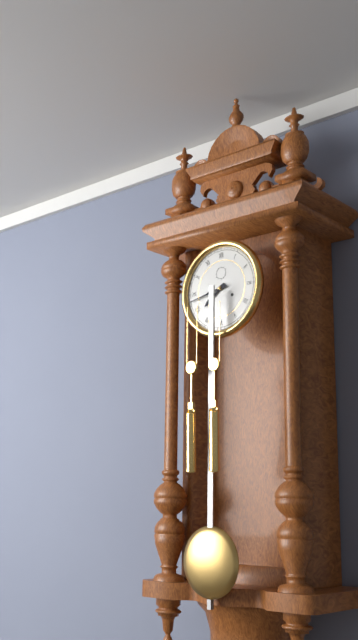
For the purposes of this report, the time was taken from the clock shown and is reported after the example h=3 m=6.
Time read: h=7 m=43
